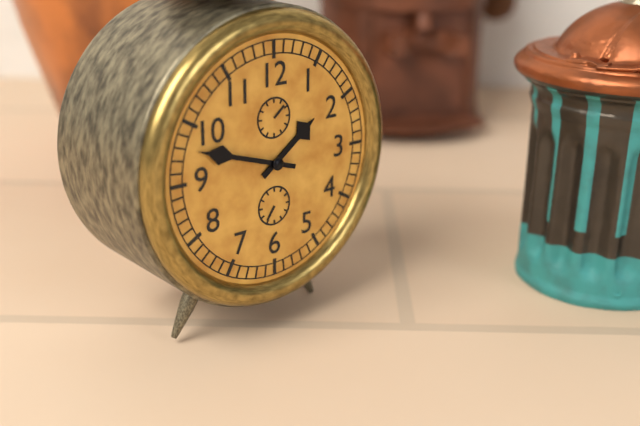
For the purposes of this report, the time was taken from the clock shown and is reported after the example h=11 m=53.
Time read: h=1 m=48
